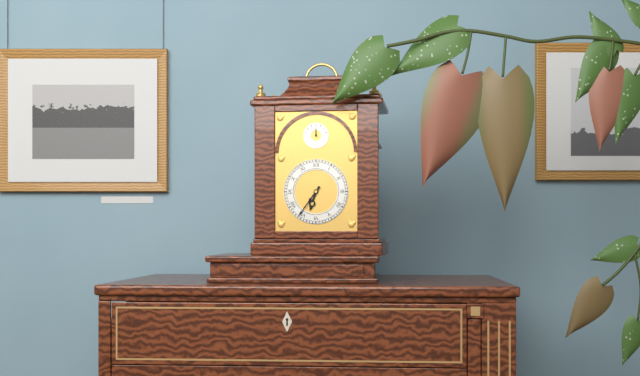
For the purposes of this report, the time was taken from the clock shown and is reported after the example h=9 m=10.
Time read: h=6 m=36
